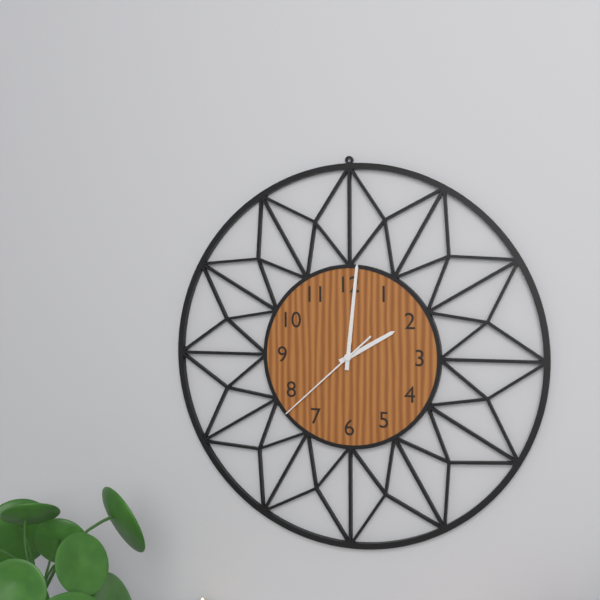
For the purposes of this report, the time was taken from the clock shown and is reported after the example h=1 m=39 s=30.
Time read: h=2 m=1 s=38
